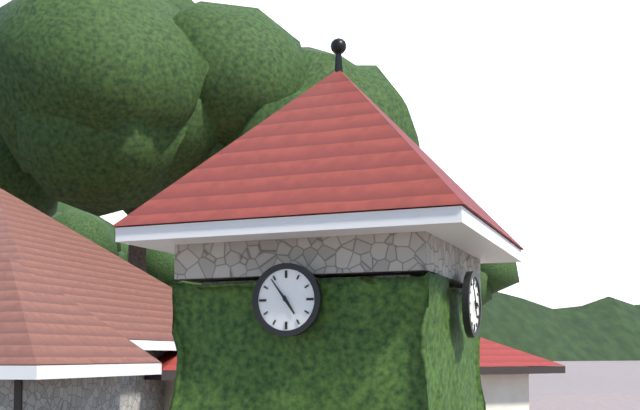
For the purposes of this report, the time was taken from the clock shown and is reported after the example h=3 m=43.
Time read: h=4 m=54
